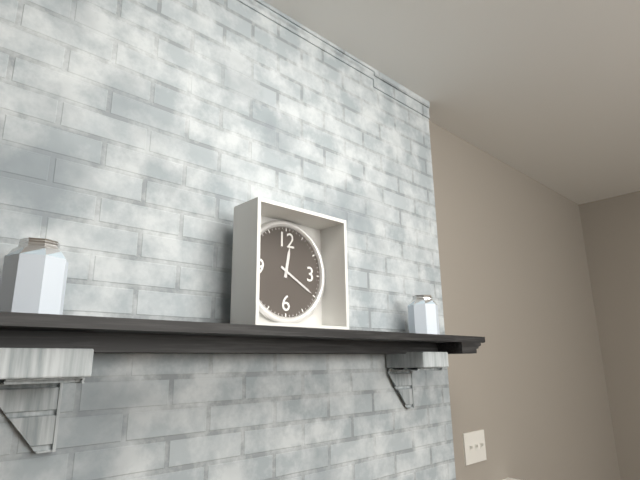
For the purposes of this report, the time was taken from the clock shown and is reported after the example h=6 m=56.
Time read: h=12 m=20
